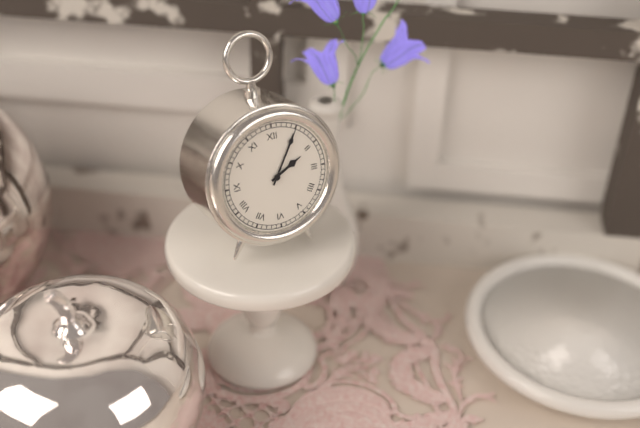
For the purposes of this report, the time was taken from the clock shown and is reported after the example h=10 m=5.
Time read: h=2 m=5
